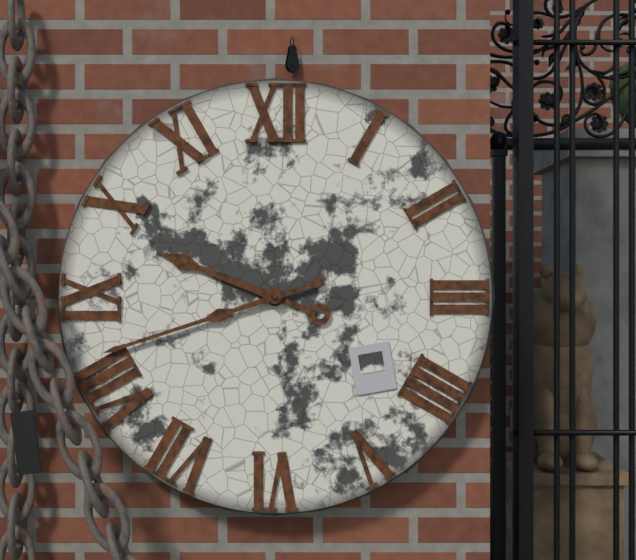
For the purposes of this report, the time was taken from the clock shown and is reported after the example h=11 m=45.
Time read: h=9 m=42
